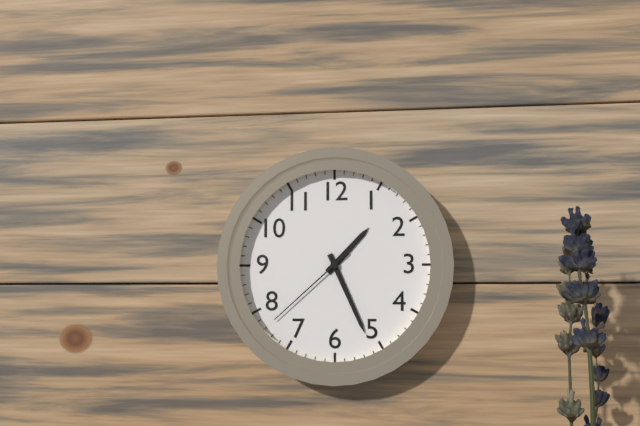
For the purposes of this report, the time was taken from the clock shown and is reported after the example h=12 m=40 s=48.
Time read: h=1 m=26 s=38
